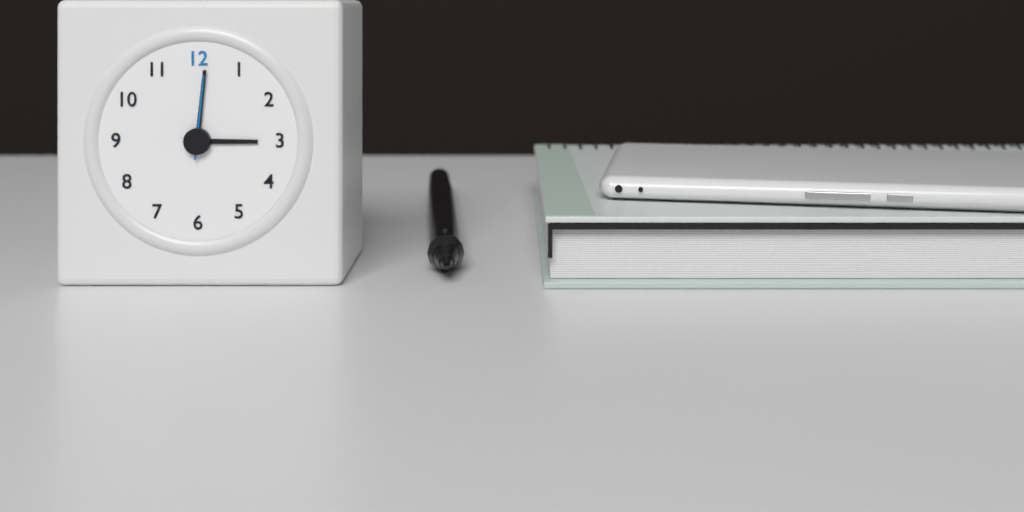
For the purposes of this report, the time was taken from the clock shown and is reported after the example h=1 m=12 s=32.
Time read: h=3 m=1 s=1
